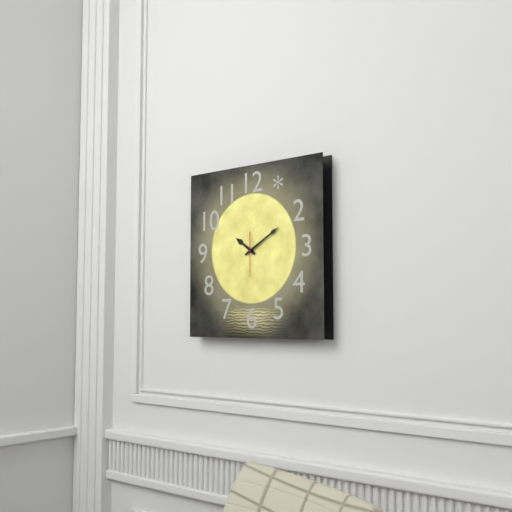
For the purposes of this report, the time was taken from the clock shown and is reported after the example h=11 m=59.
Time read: h=10 m=10
